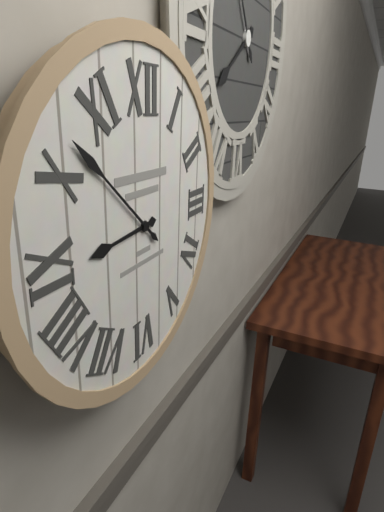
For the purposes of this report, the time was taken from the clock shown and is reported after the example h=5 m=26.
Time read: h=8 m=52
